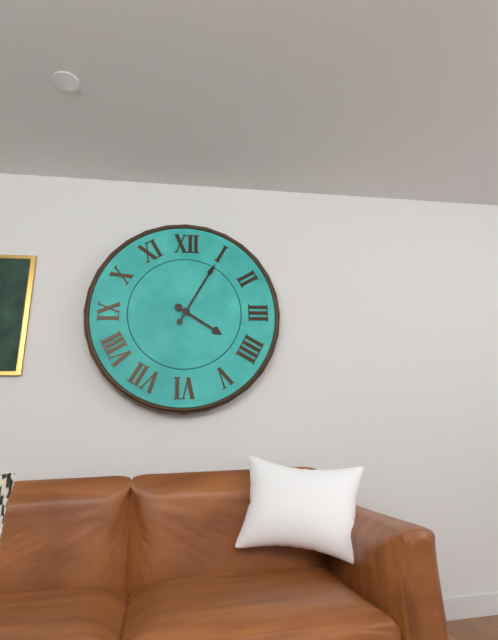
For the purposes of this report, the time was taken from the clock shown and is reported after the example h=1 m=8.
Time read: h=4 m=5
